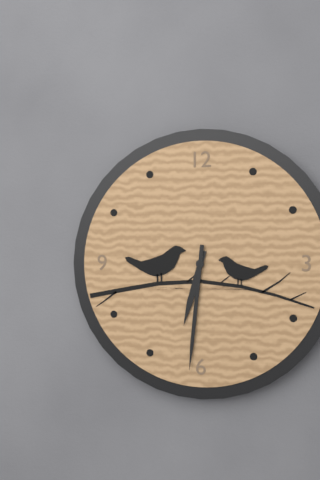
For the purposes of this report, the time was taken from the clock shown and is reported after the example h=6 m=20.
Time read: h=6 m=31
